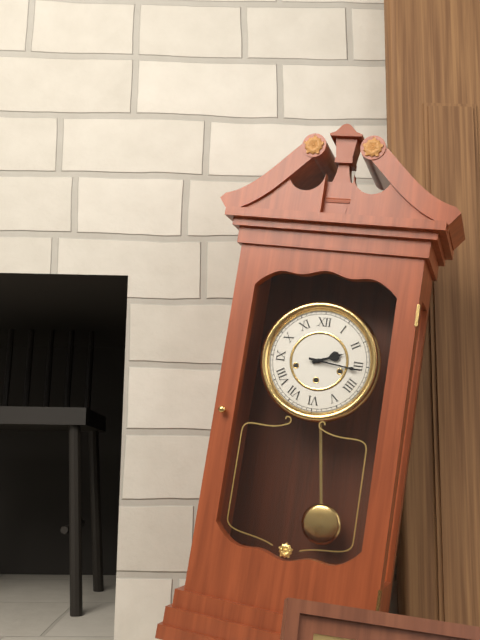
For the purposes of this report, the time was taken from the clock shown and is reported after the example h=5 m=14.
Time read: h=2 m=16
